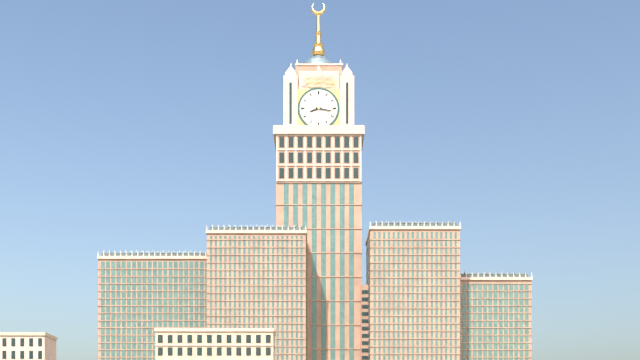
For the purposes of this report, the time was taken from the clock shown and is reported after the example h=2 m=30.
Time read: h=8 m=17
